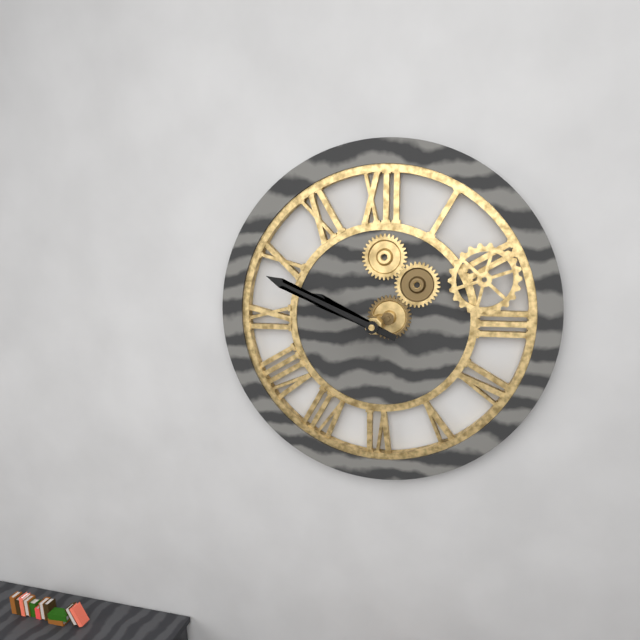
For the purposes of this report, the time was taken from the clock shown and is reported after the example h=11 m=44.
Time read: h=9 m=49
